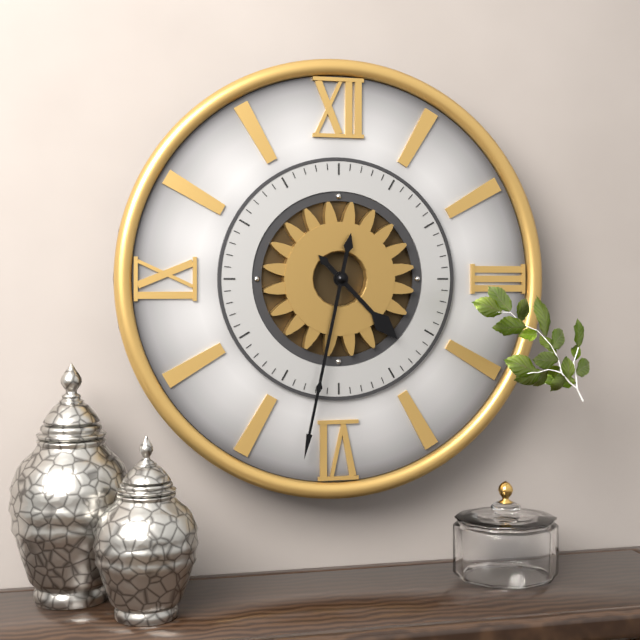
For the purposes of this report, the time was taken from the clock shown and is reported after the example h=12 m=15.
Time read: h=4 m=32
